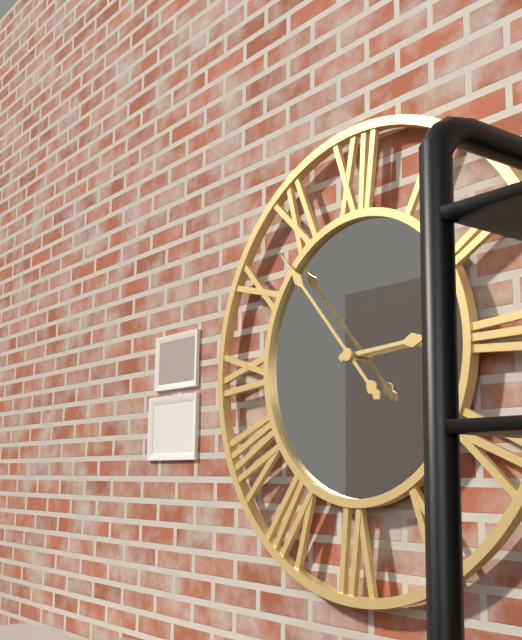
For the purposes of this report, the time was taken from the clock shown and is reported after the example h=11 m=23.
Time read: h=2 m=53
